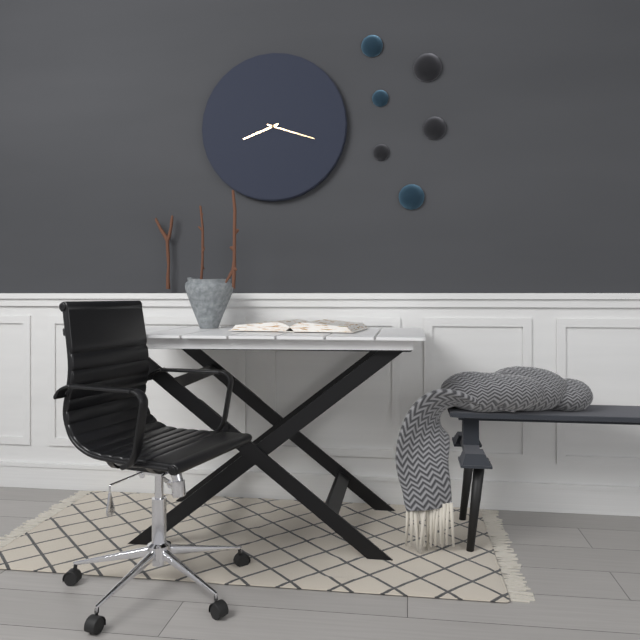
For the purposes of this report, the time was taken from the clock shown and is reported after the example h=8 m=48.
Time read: h=8 m=18
